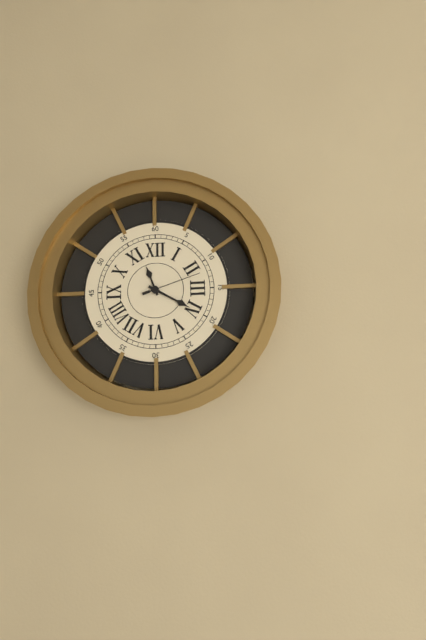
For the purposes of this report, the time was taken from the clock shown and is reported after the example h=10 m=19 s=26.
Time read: h=11 m=20 s=12
